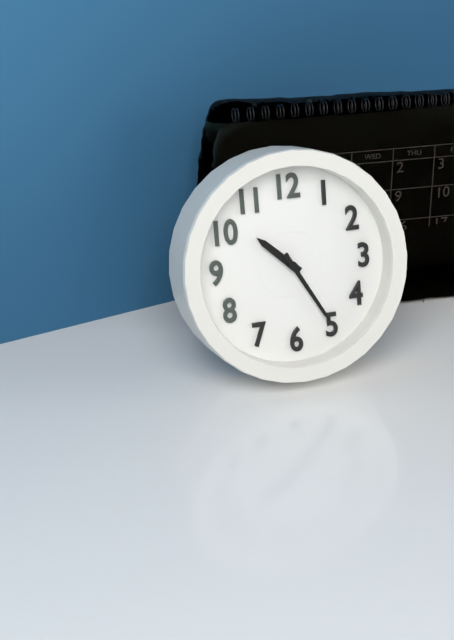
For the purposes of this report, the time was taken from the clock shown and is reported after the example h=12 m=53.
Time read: h=10 m=25
